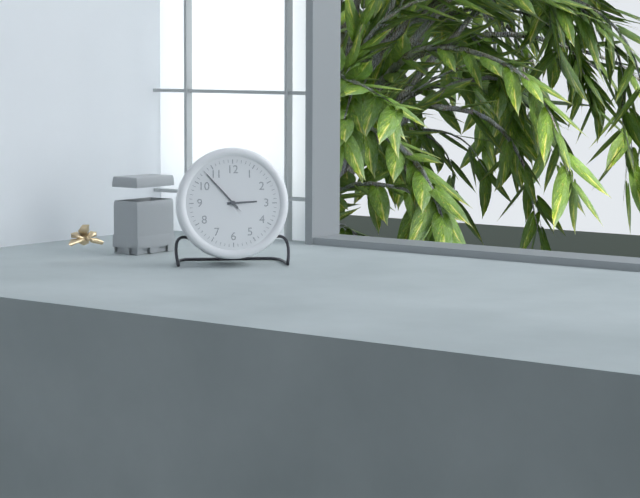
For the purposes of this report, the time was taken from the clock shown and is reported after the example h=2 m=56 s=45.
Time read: h=2 m=53 s=53
